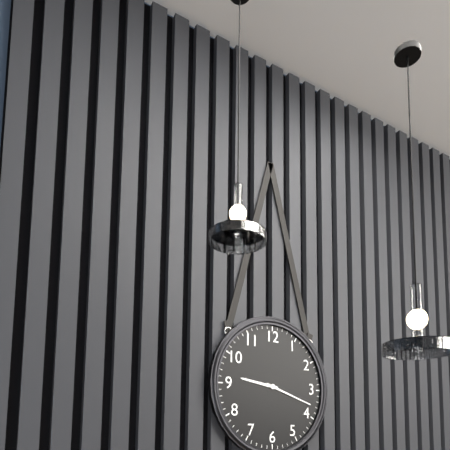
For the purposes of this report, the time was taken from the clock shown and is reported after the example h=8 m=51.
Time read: h=9 m=18
